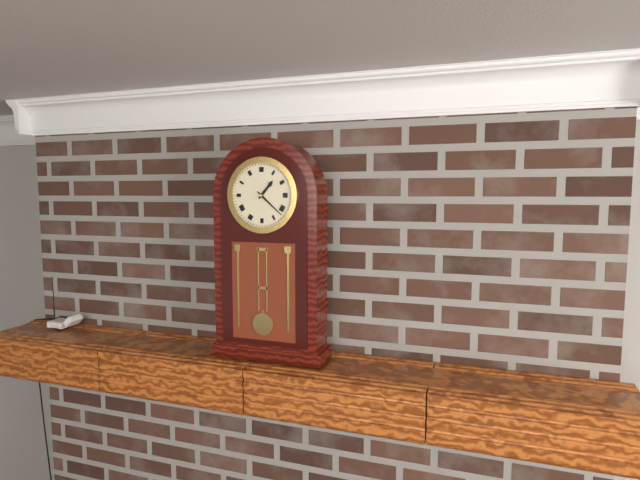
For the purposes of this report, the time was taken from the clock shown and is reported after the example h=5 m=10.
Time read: h=1 m=22
